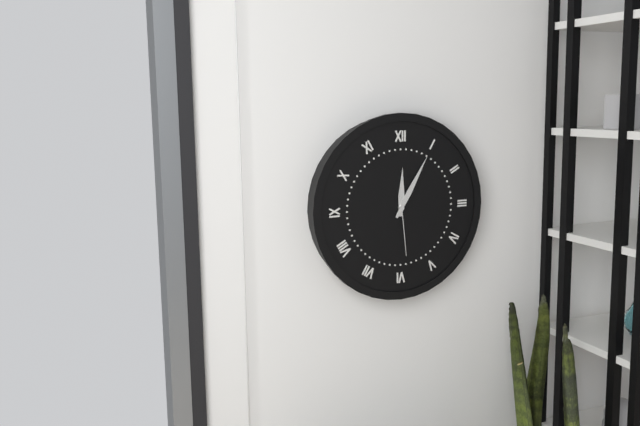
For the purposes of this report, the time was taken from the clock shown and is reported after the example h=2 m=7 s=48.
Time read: h=12 m=5 s=29
